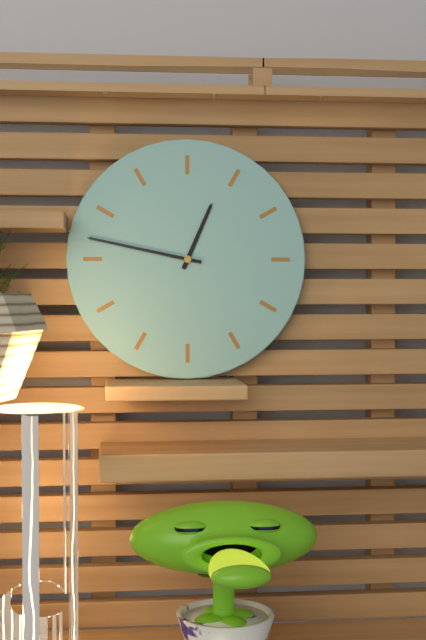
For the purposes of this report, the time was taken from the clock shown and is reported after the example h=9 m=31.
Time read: h=12 m=47
